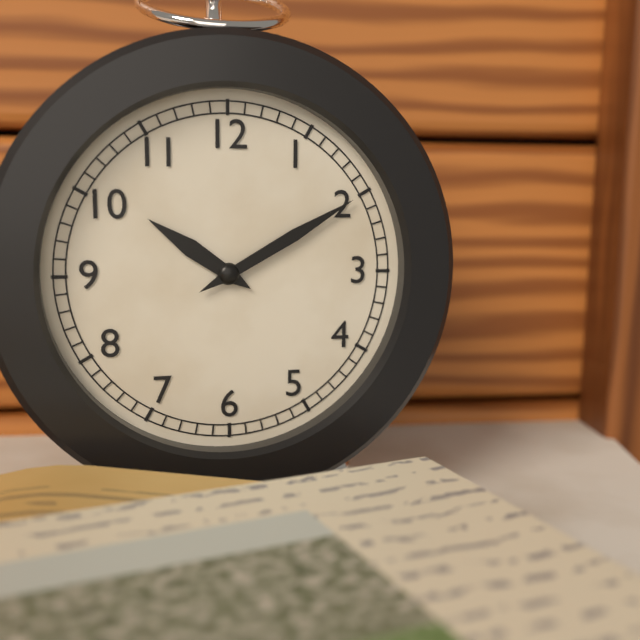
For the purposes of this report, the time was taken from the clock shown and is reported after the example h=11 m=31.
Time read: h=10 m=10
